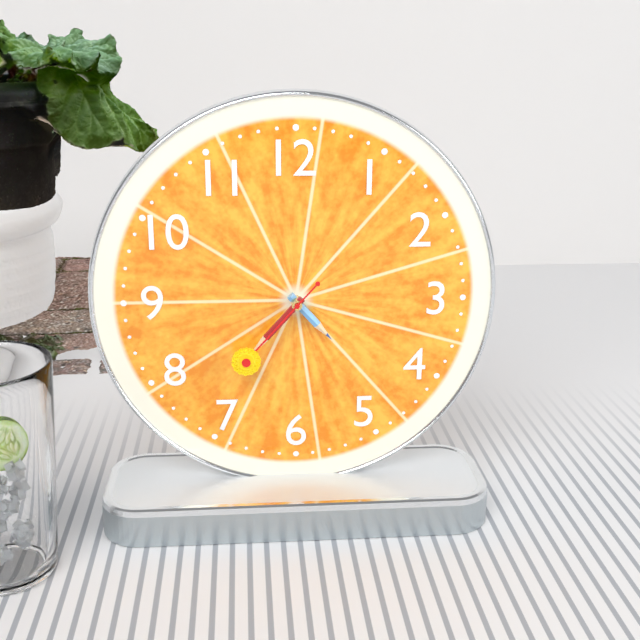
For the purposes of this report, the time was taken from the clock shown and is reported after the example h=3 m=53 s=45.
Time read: h=4 m=37 s=37
